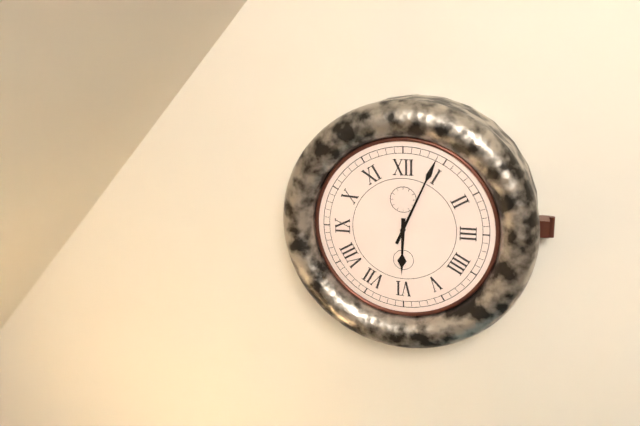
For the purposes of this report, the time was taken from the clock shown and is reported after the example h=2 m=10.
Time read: h=6 m=4
